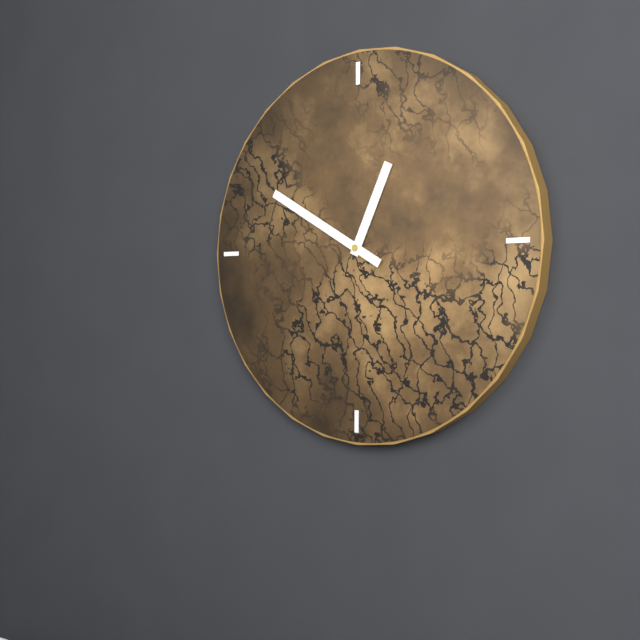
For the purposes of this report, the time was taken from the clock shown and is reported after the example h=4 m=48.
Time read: h=12 m=50
